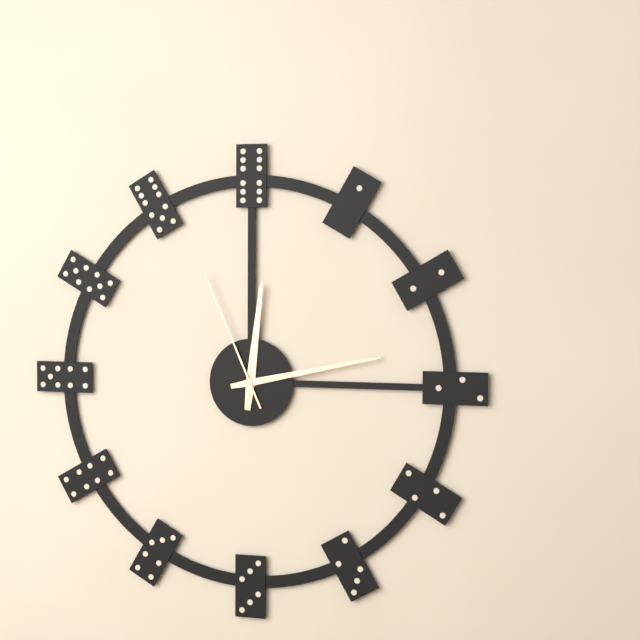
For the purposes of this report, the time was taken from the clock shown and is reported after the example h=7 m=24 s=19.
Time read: h=12 m=13 s=56
